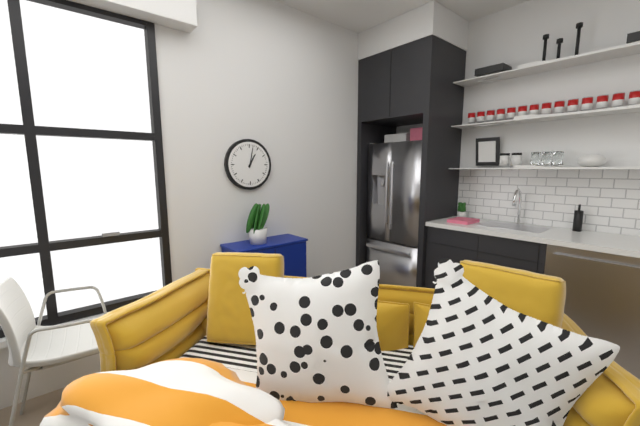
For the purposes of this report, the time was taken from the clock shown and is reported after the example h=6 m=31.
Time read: h=1 m=2
